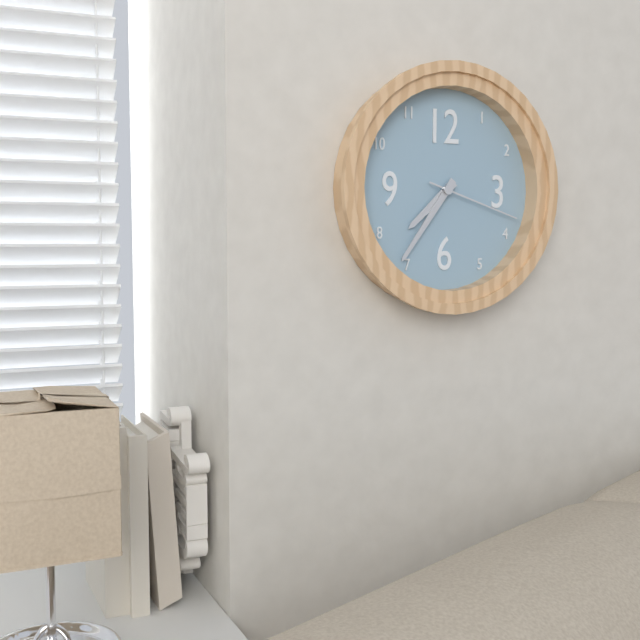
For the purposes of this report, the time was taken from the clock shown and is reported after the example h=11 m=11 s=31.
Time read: h=7 m=36 s=18
